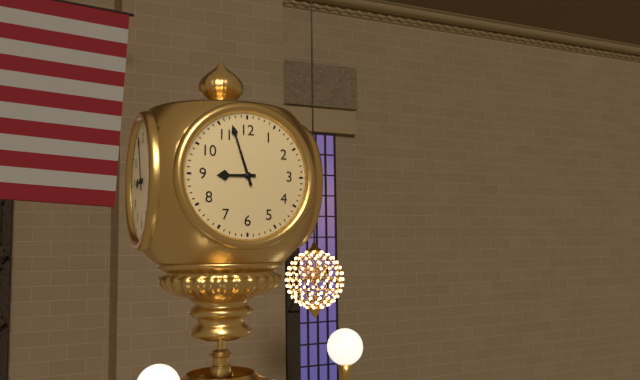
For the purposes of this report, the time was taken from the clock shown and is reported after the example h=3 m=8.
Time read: h=8 m=57
